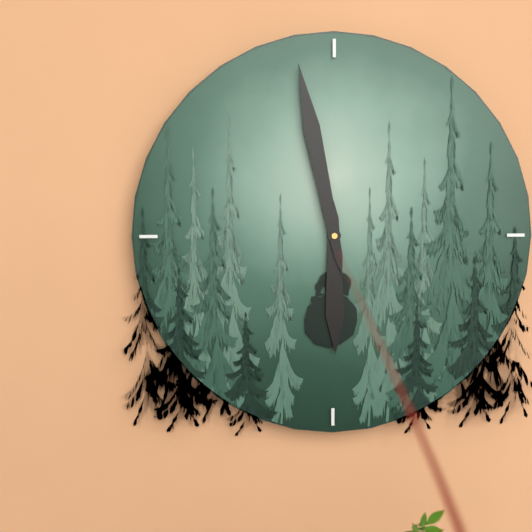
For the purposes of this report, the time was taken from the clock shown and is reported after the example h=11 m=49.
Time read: h=5 m=58
